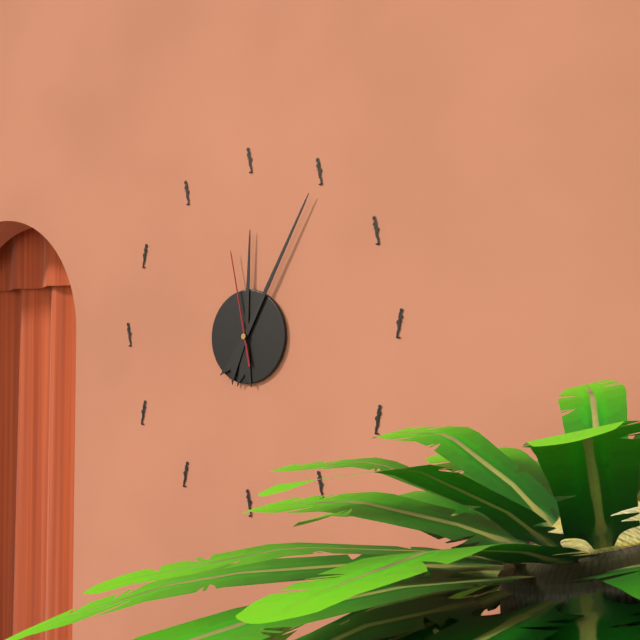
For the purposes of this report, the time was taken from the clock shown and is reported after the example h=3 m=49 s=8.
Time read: h=12 m=5 s=58
